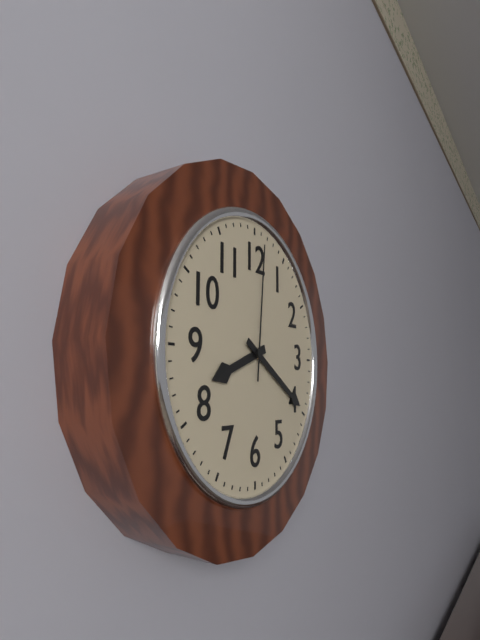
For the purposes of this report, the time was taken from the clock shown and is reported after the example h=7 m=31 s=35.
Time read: h=8 m=20 s=1
